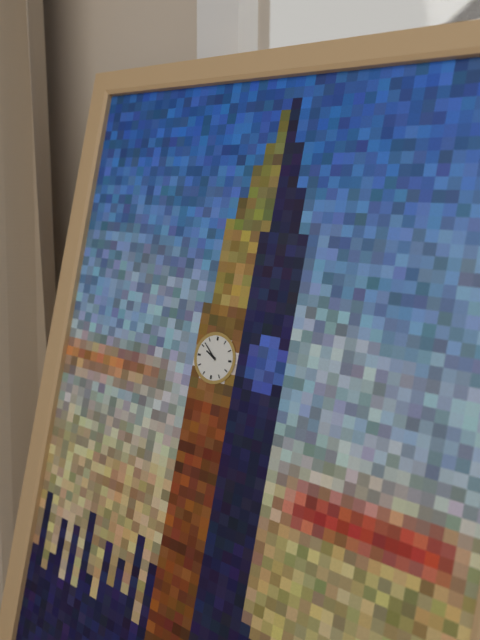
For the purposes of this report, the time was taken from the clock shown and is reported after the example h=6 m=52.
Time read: h=9 m=52
